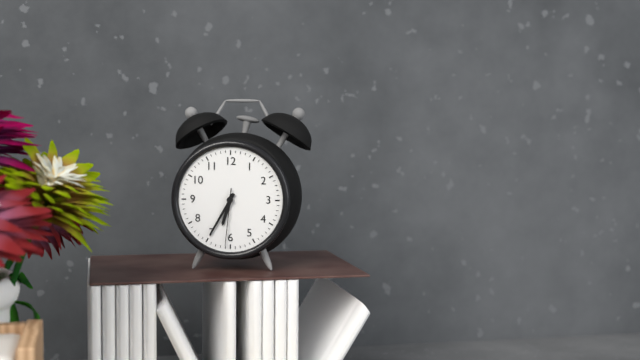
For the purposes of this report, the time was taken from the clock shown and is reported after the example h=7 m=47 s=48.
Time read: h=6 m=35 s=31
